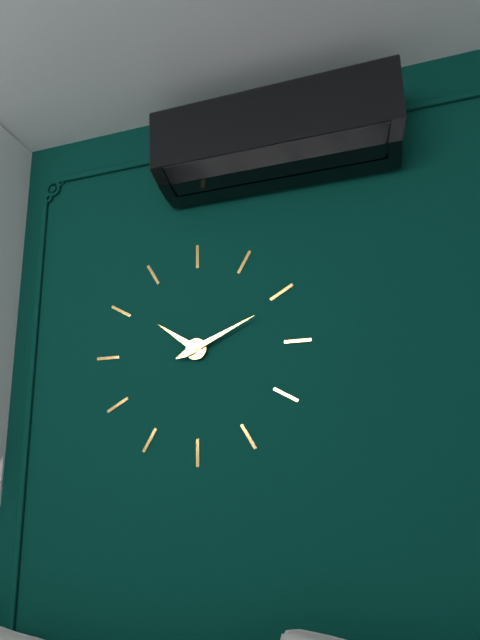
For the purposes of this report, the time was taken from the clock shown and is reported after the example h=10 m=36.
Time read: h=10 m=11
